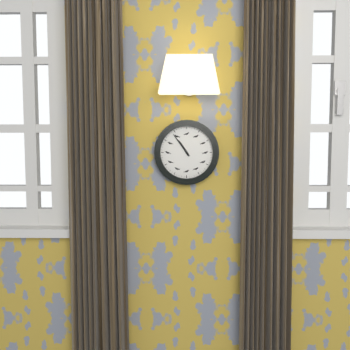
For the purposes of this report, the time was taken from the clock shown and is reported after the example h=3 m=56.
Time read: h=10 m=54
